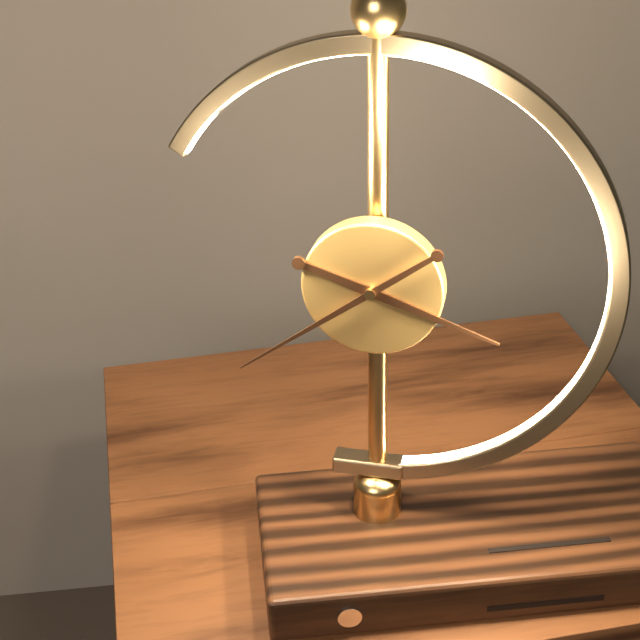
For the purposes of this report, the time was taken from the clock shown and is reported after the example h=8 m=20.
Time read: h=3 m=39
